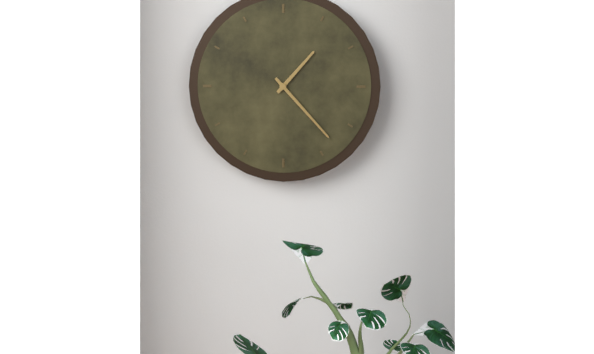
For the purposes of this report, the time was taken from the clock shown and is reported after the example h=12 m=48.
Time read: h=1 m=23
